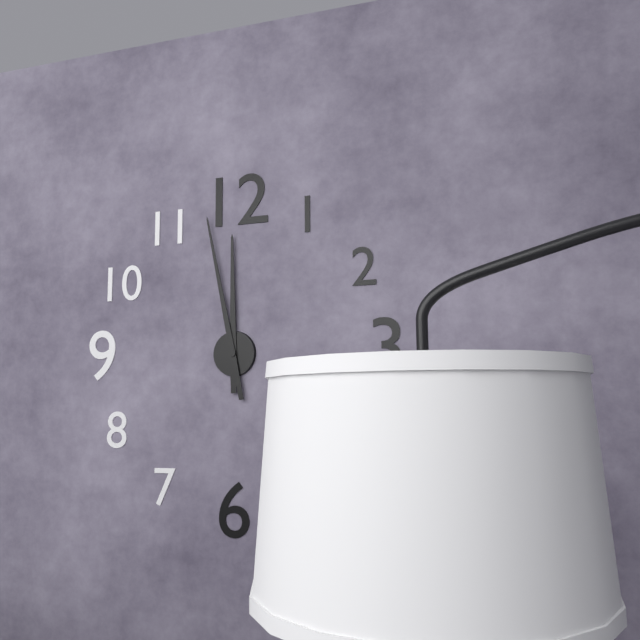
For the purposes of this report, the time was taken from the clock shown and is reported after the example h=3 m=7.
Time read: h=11 m=58
